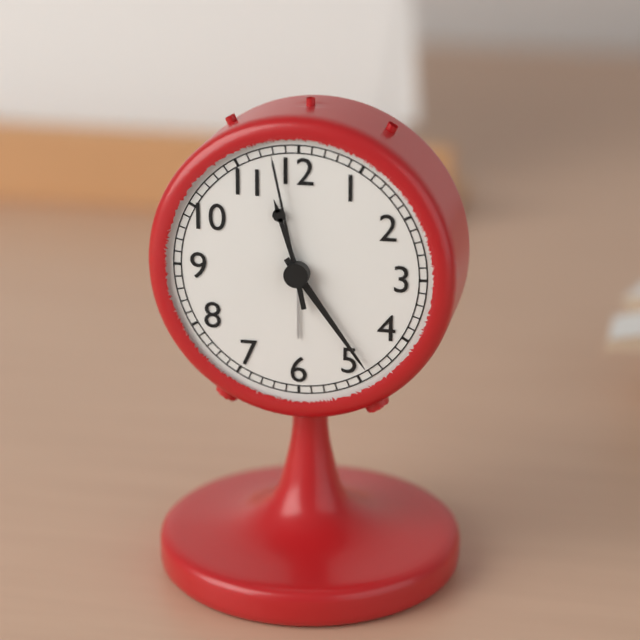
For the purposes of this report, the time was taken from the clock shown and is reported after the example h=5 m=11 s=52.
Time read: h=11 m=24 s=58
